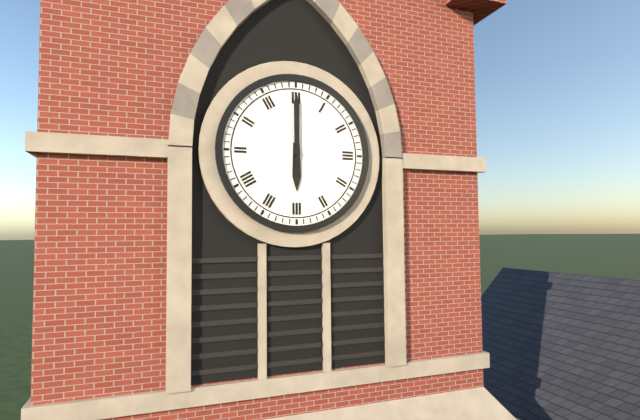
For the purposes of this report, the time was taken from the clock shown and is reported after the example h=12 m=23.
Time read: h=6 m=0
